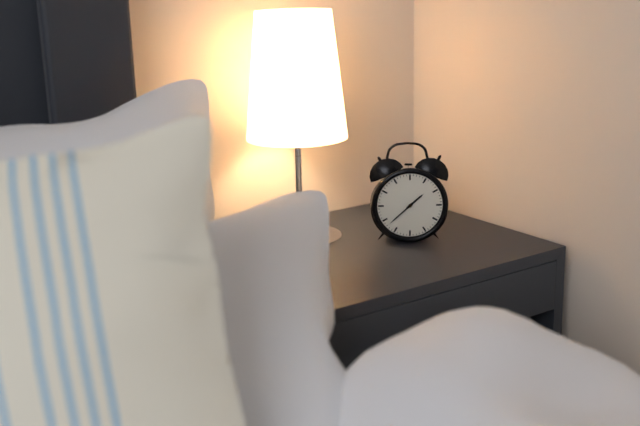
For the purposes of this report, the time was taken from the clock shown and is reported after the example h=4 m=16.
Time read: h=1 m=38
